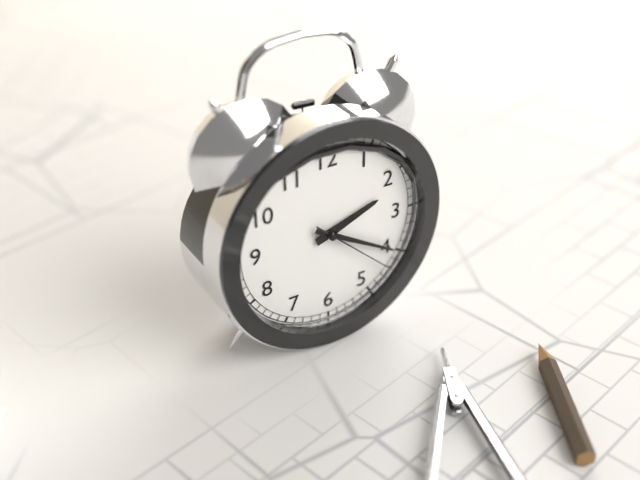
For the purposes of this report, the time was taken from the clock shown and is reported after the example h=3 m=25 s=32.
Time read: h=2 m=20 s=22
